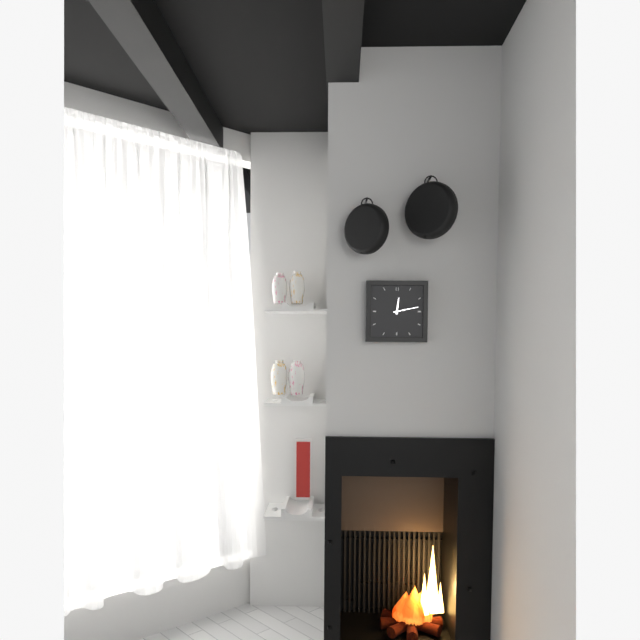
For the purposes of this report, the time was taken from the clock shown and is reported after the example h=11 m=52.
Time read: h=12 m=13
